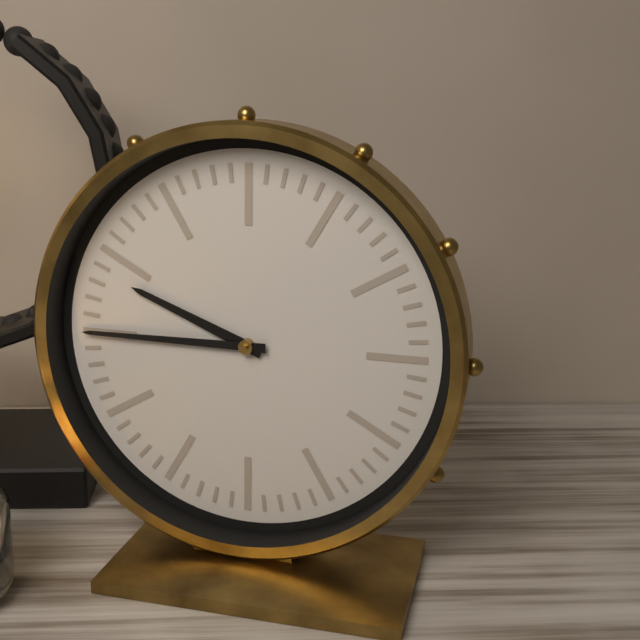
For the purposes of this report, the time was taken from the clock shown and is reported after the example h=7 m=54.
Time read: h=9 m=45
